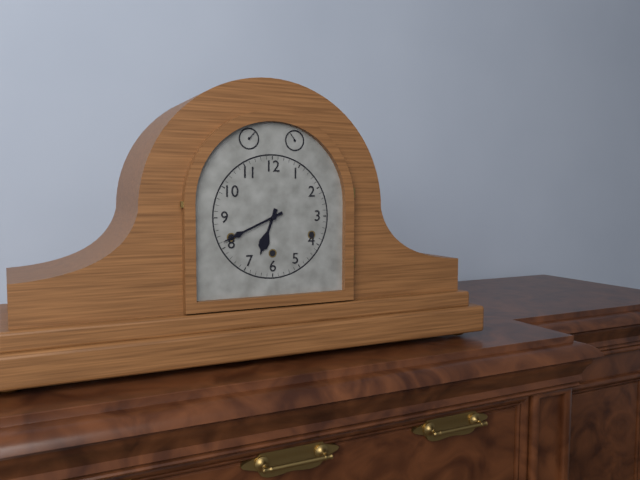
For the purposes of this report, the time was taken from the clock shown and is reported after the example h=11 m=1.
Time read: h=6 m=41
